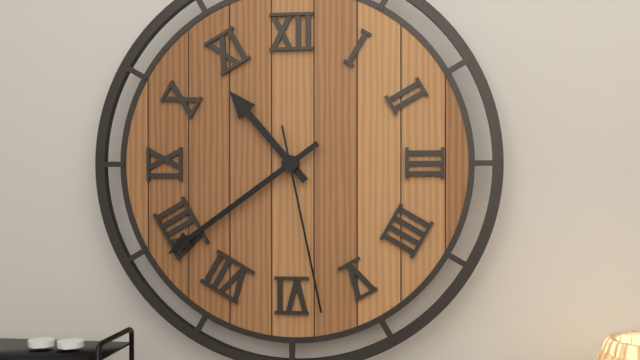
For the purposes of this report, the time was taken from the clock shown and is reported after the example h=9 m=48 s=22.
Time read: h=10 m=39 s=28
